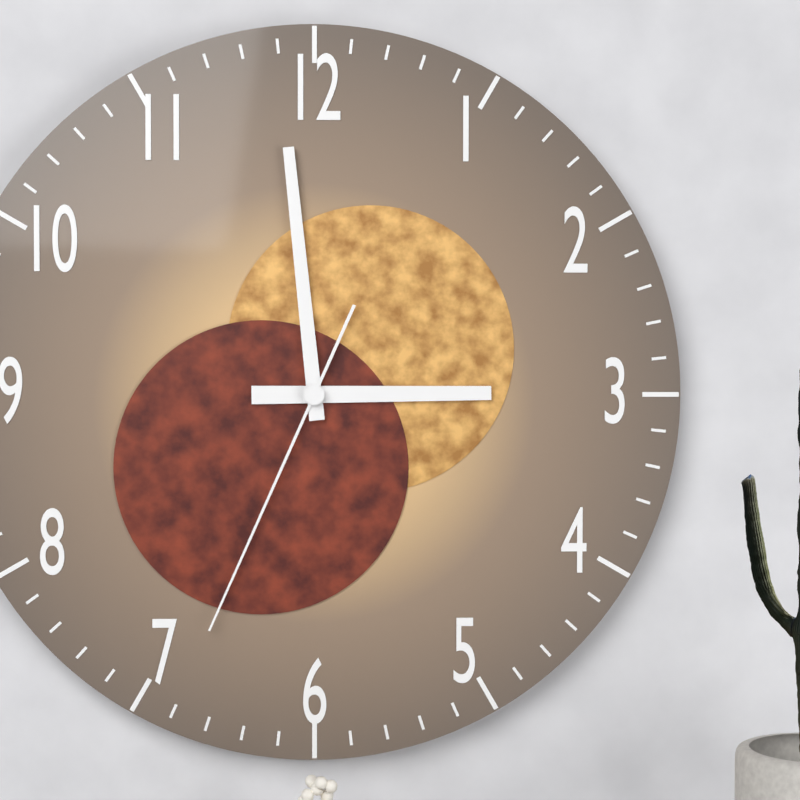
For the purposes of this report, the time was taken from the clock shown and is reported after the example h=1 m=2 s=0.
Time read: h=2 m=59 s=34
